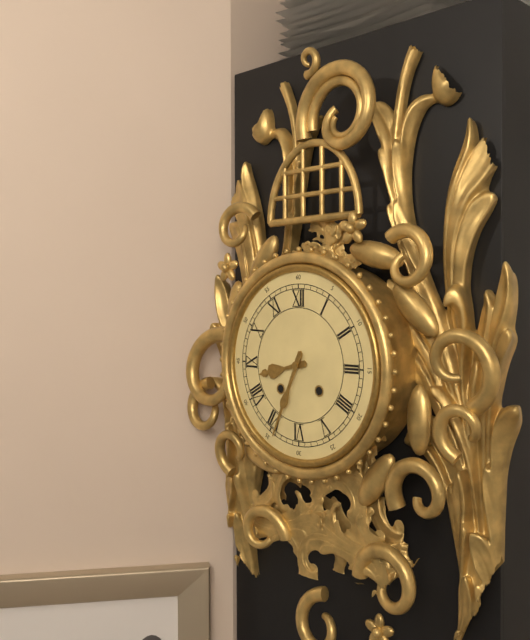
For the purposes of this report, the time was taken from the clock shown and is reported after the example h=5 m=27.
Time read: h=8 m=34
